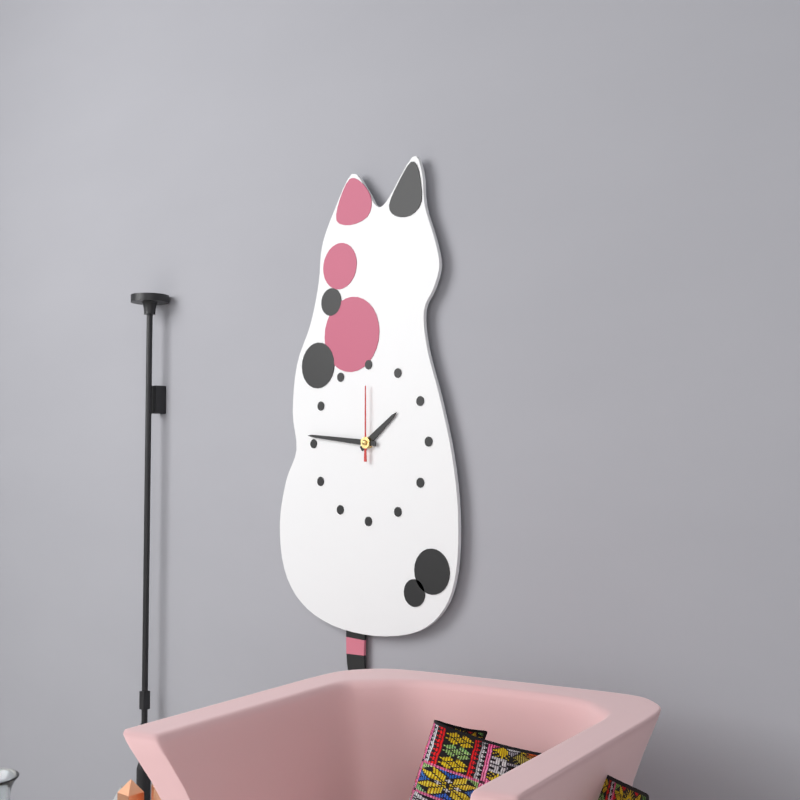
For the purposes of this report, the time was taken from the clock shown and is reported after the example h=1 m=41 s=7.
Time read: h=1 m=46 s=0
